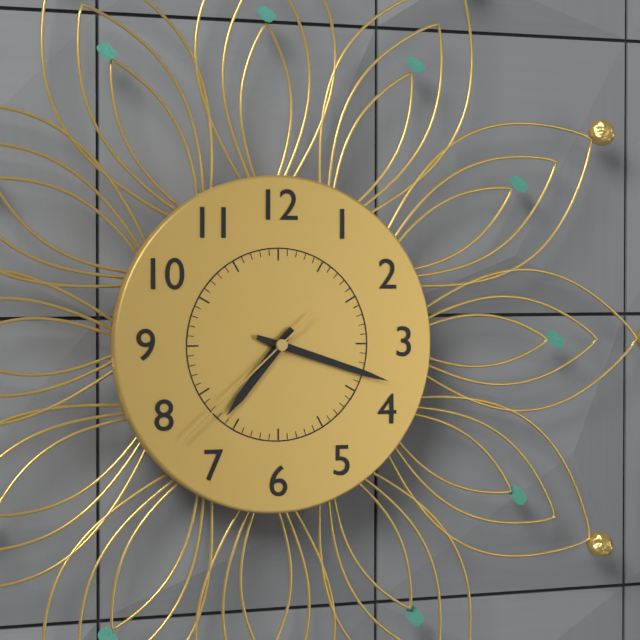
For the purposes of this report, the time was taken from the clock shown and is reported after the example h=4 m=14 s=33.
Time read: h=7 m=18 s=38
